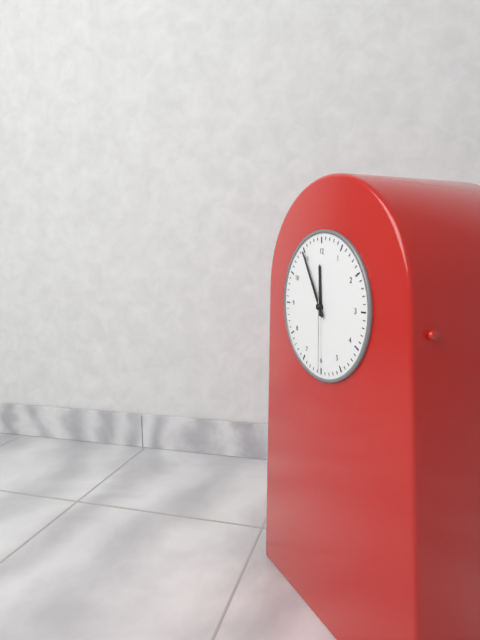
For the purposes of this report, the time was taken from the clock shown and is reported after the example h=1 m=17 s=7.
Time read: h=11 m=55 s=30
